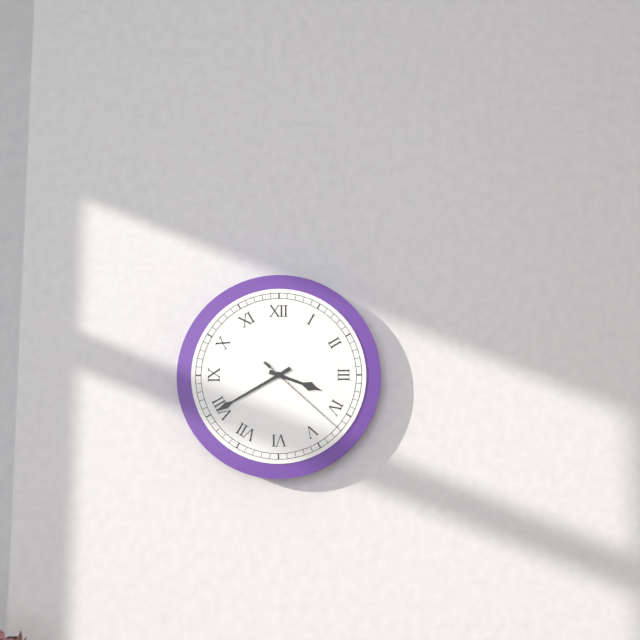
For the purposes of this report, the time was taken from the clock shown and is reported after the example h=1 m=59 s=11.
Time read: h=3 m=40 s=22
